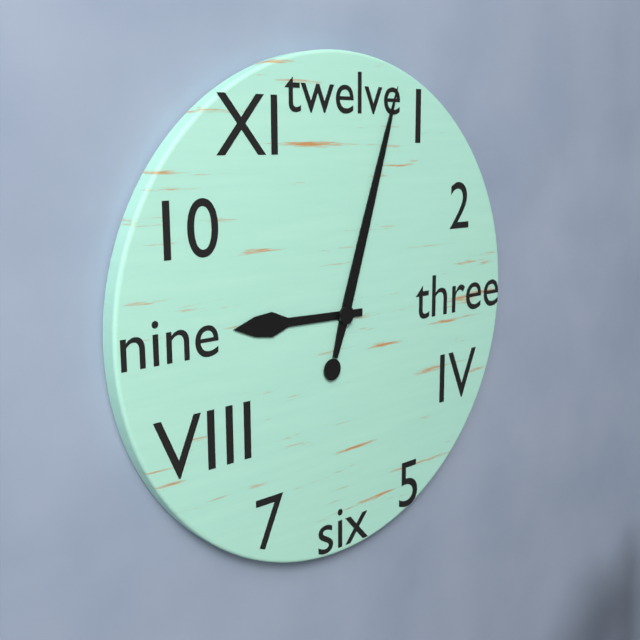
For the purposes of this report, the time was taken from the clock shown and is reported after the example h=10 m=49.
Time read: h=9 m=3
